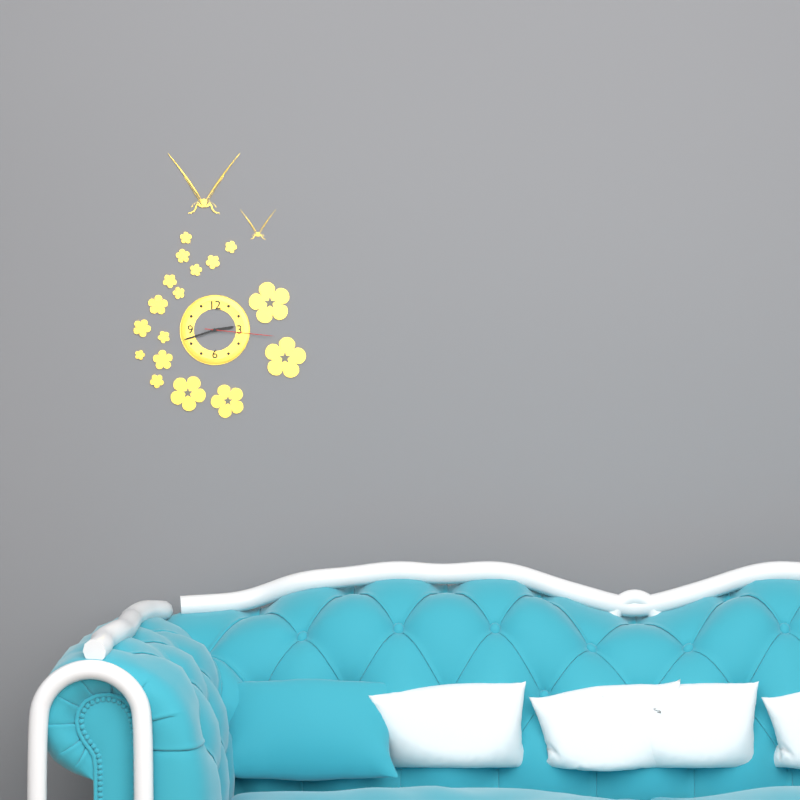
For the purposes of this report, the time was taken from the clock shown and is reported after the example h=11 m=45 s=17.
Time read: h=2 m=42 s=16
